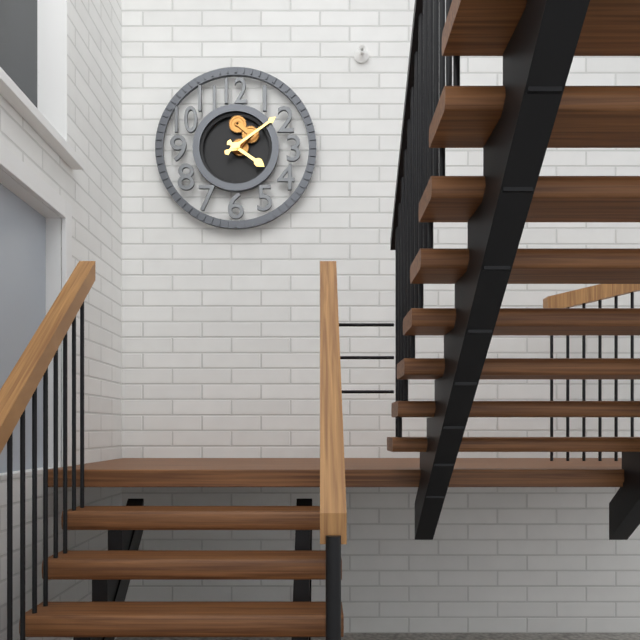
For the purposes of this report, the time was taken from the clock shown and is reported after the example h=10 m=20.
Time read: h=4 m=9
